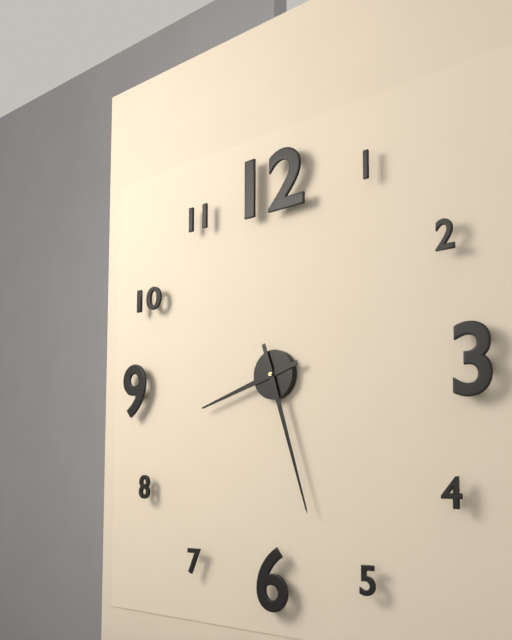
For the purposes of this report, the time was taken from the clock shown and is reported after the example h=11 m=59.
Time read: h=8 m=27
